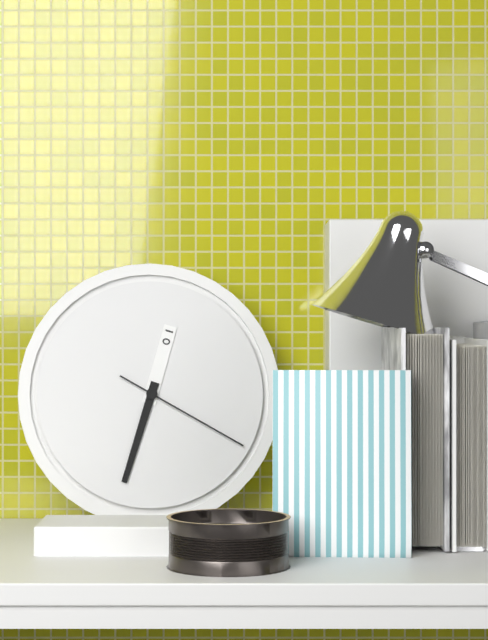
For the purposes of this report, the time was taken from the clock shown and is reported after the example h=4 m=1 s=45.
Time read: h=12 m=33 s=20
